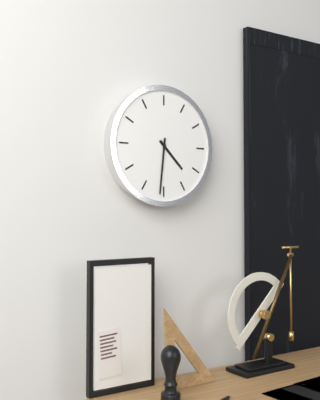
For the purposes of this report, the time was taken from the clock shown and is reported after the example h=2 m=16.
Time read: h=4 m=31
